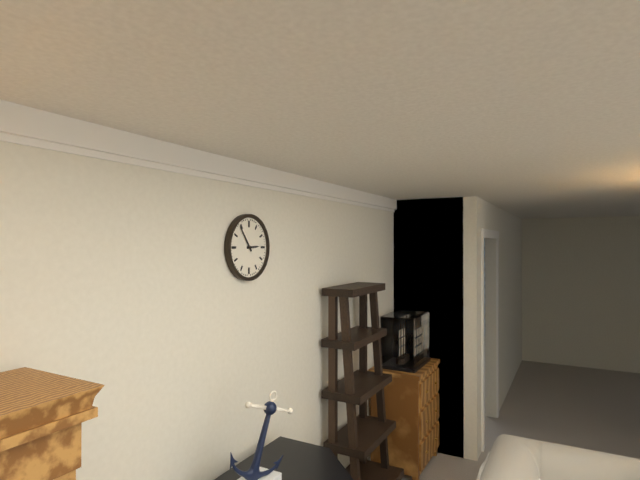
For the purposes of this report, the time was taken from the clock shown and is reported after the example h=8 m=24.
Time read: h=2 m=54
